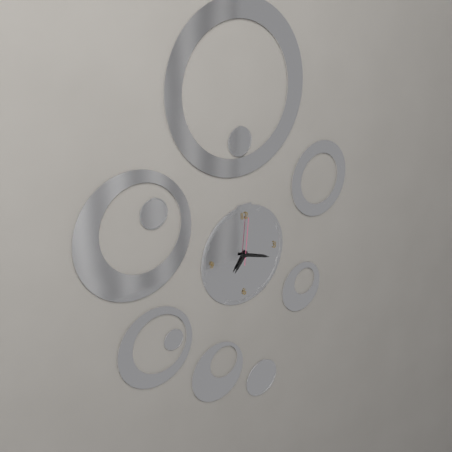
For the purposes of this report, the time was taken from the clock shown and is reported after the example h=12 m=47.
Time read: h=7 m=18
